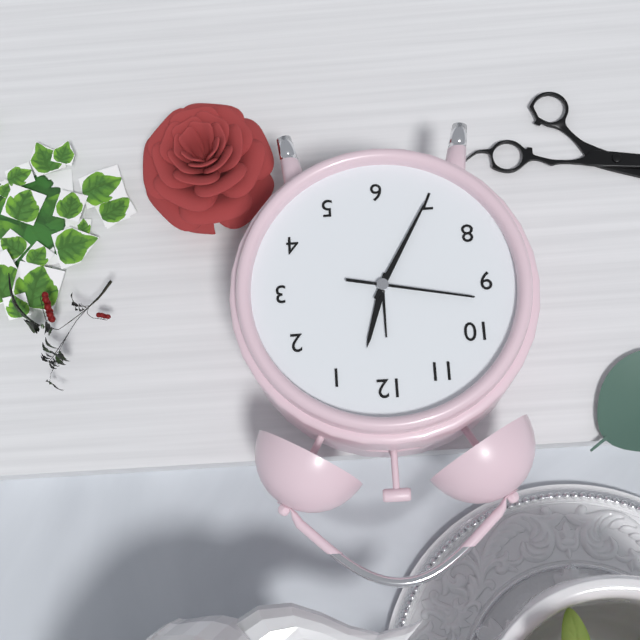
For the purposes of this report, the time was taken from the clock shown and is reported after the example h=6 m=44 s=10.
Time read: h=12 m=35 s=47
